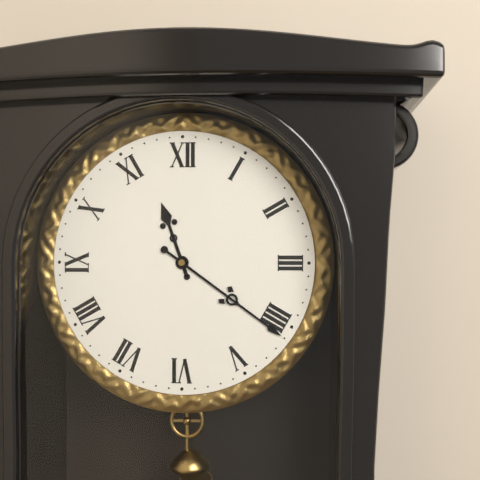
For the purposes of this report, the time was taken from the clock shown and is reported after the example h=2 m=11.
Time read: h=11 m=21
